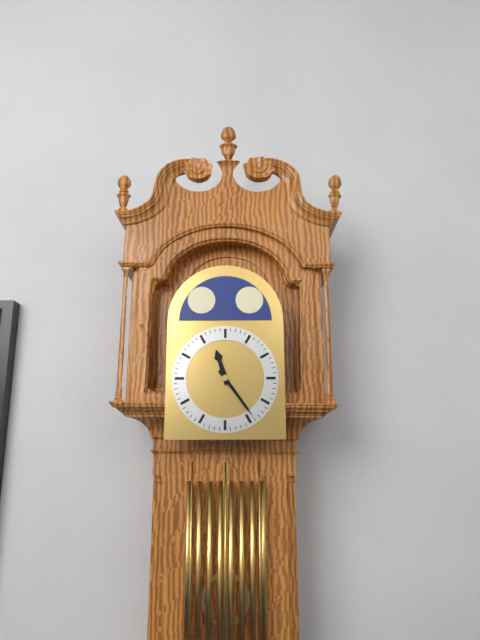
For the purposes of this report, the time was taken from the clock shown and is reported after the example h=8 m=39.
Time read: h=11 m=24
